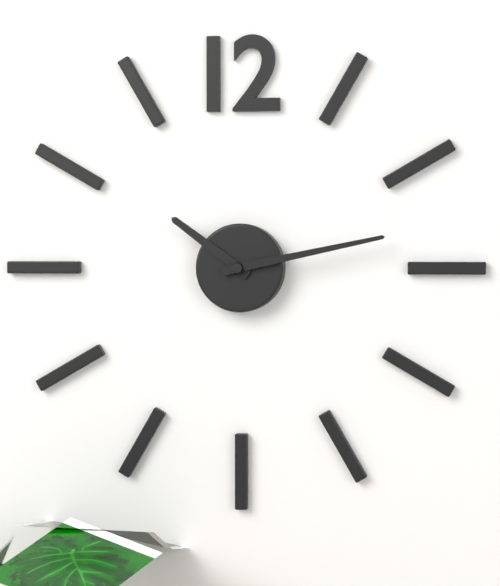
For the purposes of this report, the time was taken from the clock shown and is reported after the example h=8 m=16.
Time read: h=10 m=13
